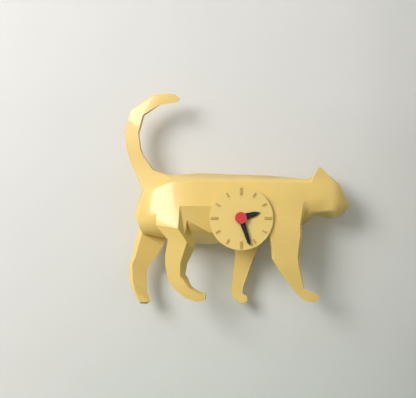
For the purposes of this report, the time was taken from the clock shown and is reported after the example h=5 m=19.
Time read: h=2 m=27
